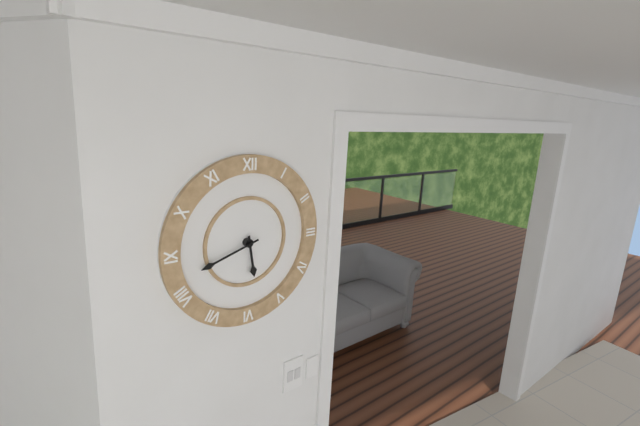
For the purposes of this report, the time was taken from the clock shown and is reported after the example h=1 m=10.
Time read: h=5 m=42
